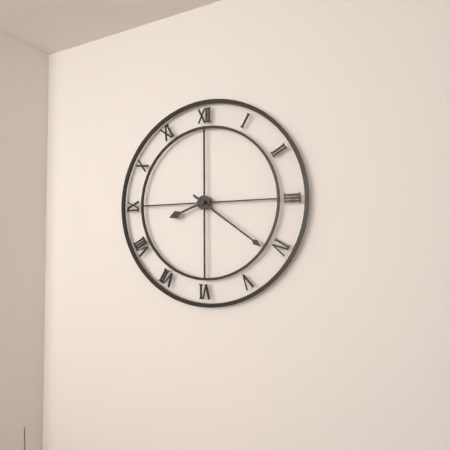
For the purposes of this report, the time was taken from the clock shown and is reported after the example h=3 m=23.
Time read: h=8 m=21
